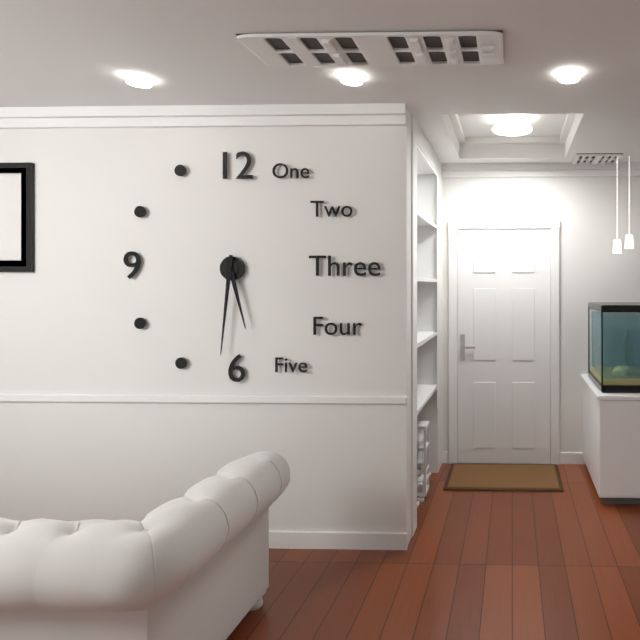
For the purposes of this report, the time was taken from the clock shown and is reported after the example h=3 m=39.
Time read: h=5 m=31
